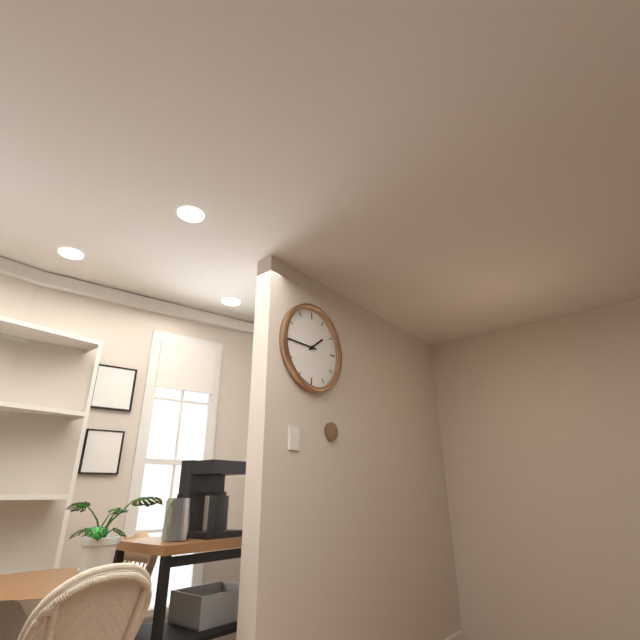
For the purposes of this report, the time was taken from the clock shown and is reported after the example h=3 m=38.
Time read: h=1 m=45
